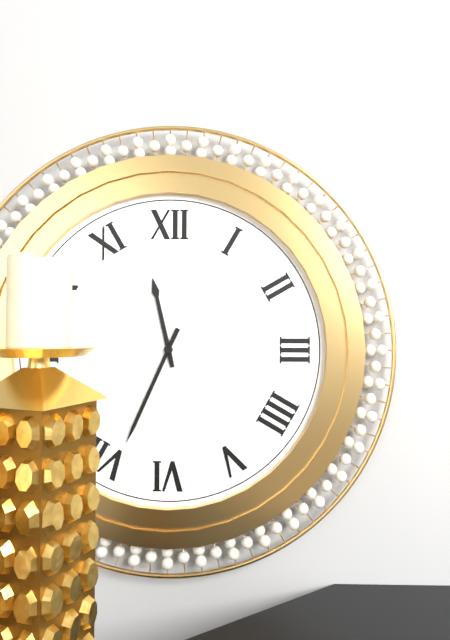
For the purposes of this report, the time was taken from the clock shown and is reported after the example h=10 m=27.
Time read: h=11 m=34
